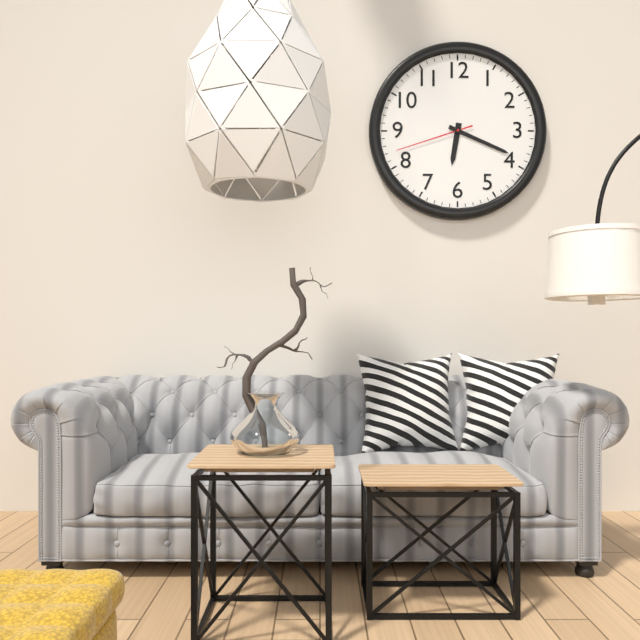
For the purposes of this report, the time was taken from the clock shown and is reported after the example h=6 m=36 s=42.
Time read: h=6 m=19 s=42
